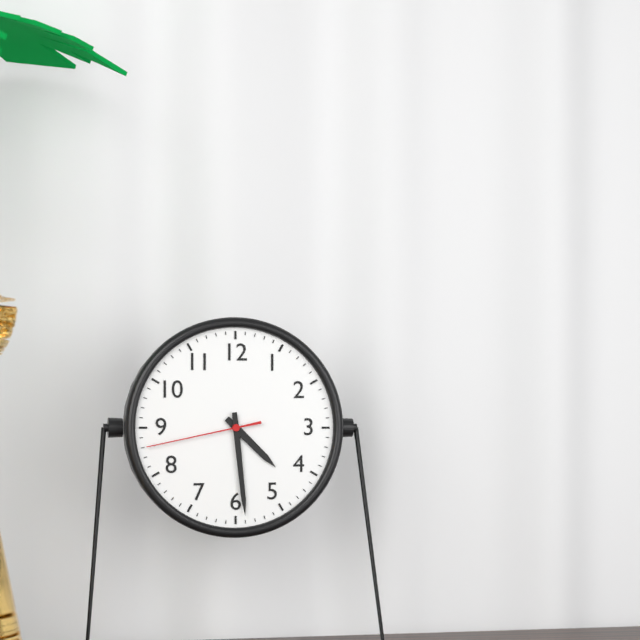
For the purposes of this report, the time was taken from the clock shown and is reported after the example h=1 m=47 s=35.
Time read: h=4 m=29 s=43
